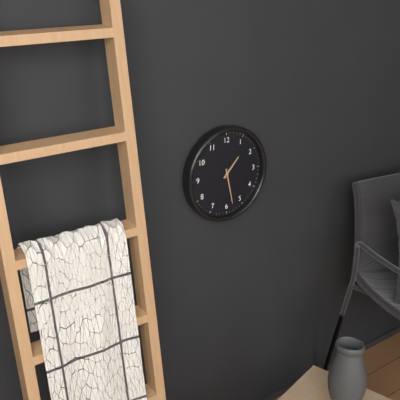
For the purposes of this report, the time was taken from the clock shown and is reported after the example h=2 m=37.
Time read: h=1 m=28
